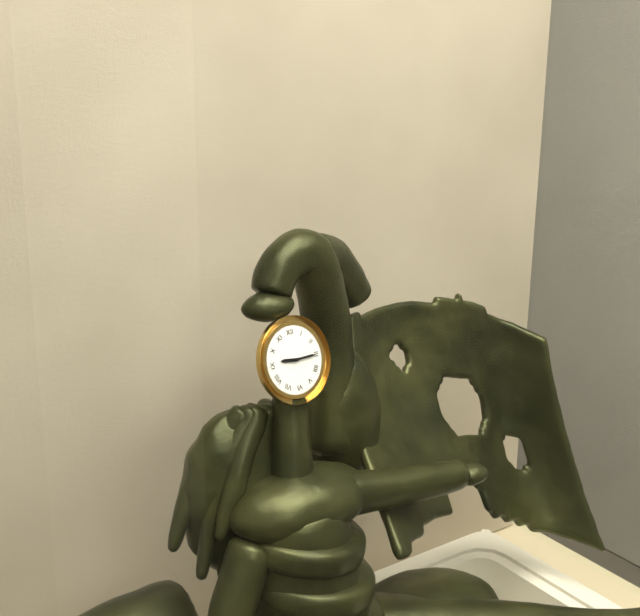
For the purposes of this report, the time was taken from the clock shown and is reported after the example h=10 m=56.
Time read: h=9 m=15
